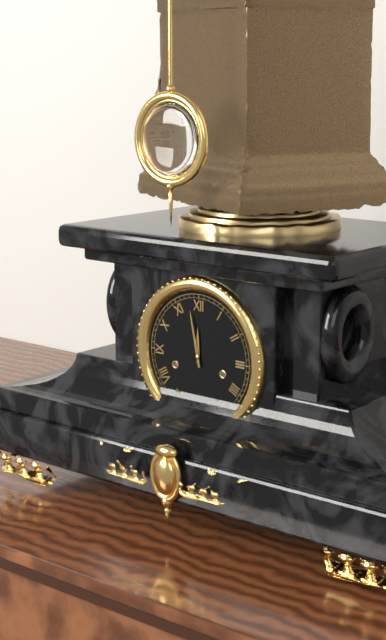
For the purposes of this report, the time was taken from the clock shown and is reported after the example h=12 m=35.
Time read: h=11 m=58
